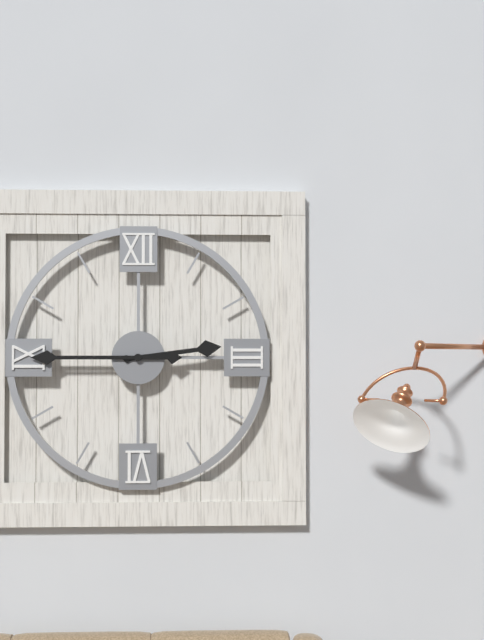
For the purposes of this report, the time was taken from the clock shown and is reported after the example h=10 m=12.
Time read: h=2 m=45
